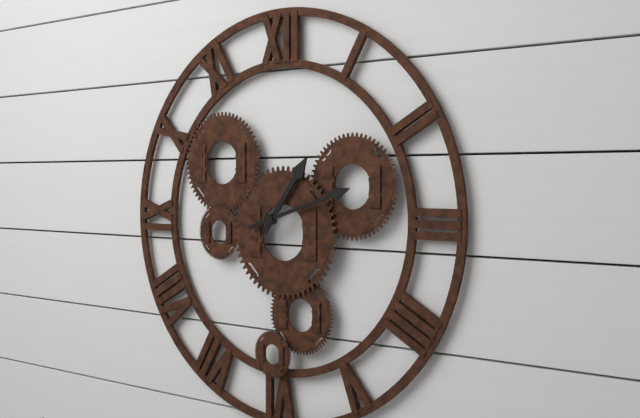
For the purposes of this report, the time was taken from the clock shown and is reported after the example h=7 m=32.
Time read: h=1 m=12
